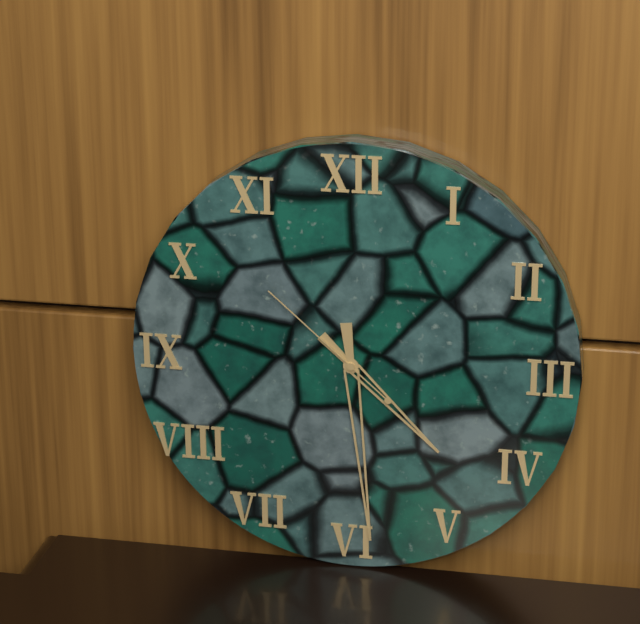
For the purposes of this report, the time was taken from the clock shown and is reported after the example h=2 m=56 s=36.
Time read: h=4 m=29 s=52
